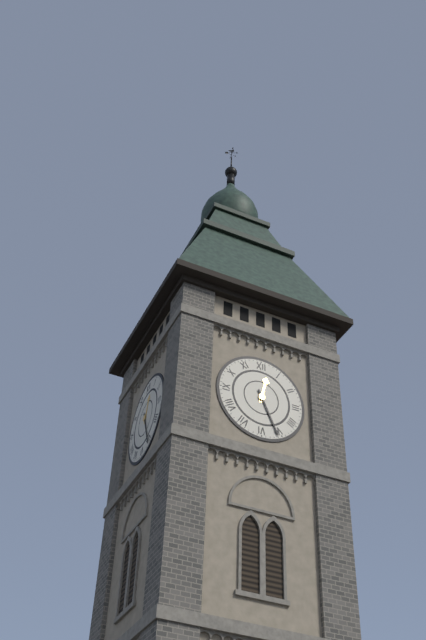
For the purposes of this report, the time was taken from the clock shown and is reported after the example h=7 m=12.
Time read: h=12 m=26
